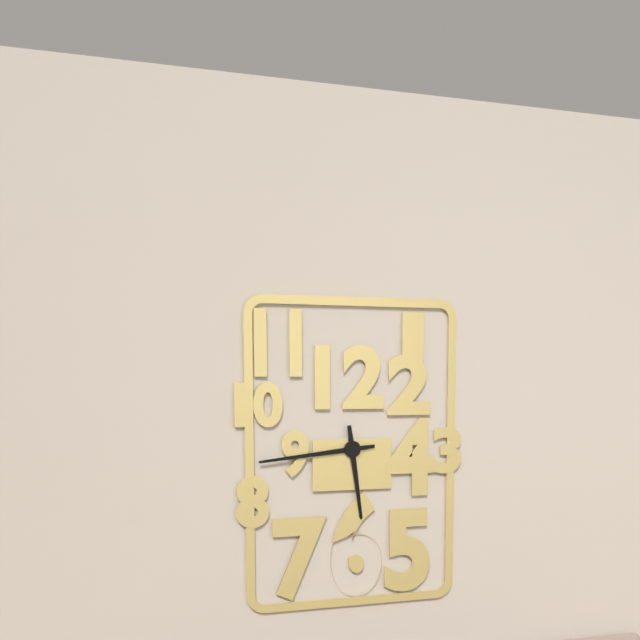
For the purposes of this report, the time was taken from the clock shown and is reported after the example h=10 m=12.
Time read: h=5 m=44
